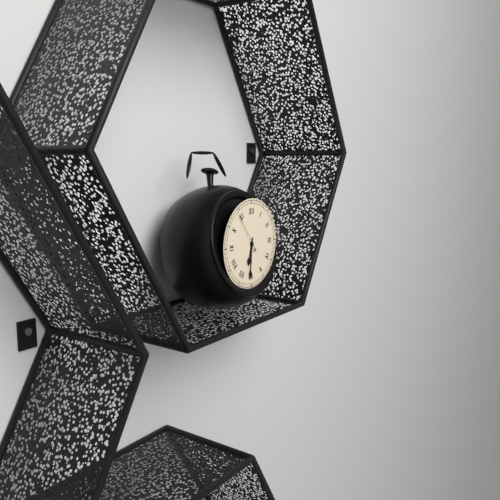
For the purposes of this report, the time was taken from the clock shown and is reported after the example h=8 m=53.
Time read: h=6 m=31
